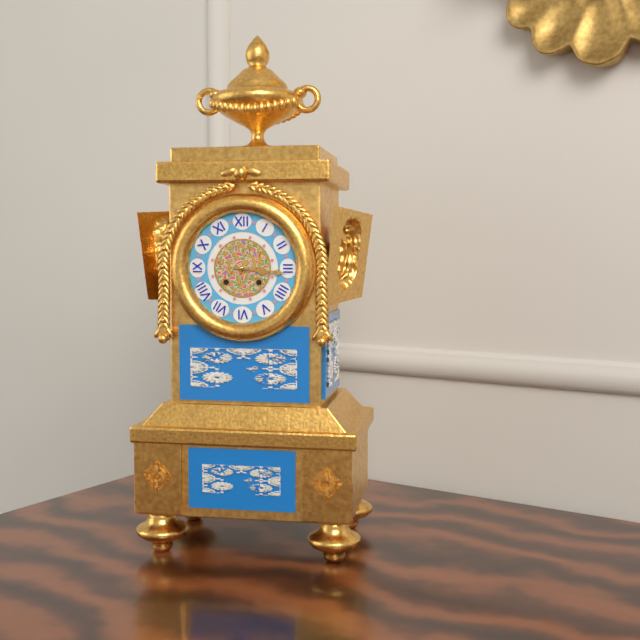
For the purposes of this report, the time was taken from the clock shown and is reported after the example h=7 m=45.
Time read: h=3 m=16
